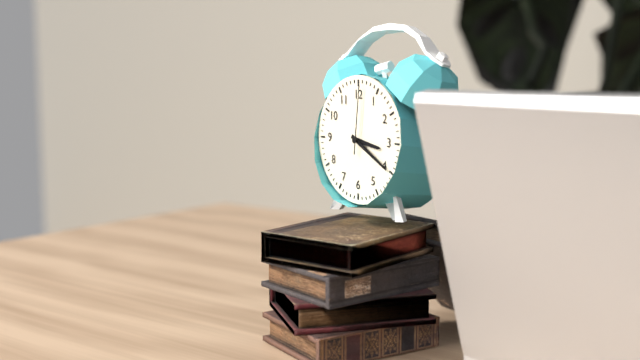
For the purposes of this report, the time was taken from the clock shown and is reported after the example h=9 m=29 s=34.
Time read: h=3 m=20 s=1
